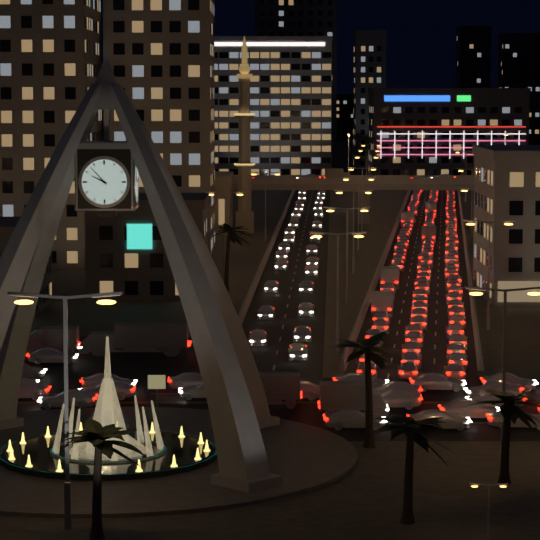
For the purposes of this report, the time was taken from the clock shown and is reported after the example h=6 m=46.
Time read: h=9 m=53
